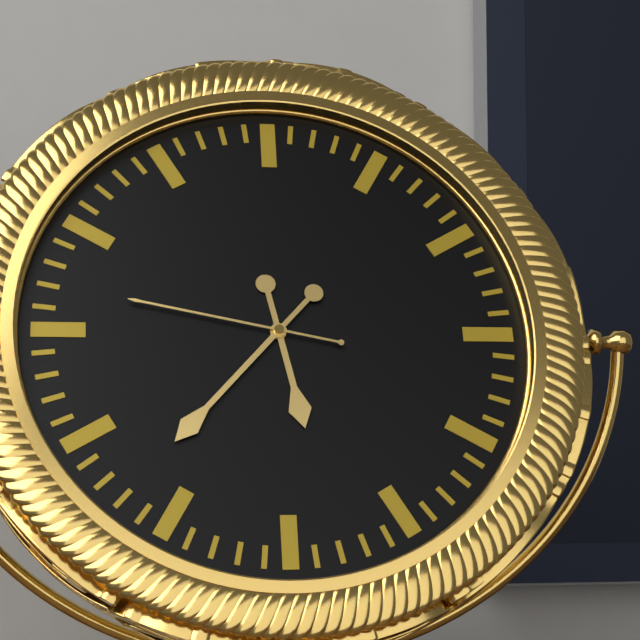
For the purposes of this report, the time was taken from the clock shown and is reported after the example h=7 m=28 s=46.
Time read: h=5 m=37 s=47
